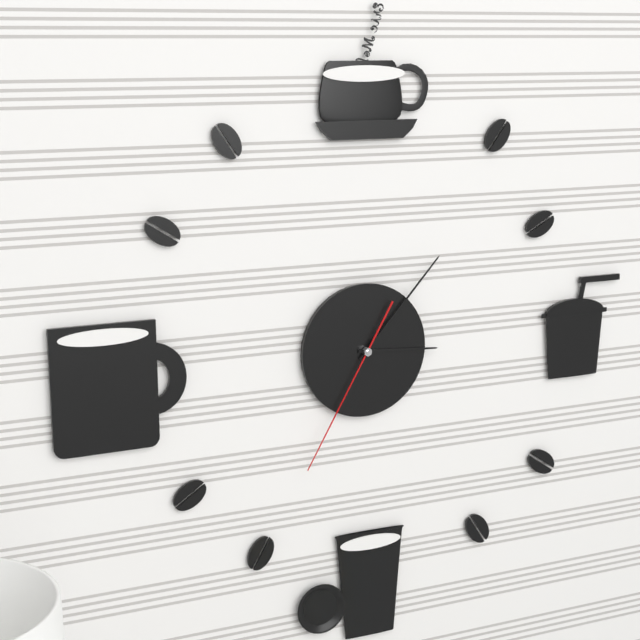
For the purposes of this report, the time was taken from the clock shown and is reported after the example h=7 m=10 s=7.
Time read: h=3 m=7 s=35
